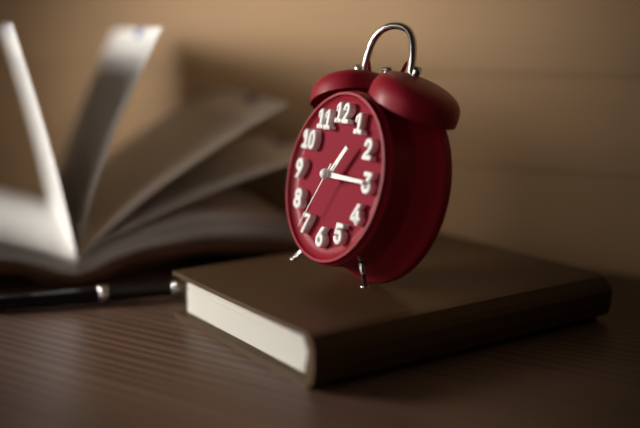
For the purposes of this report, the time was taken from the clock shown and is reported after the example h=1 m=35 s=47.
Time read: h=1 m=15 s=35
